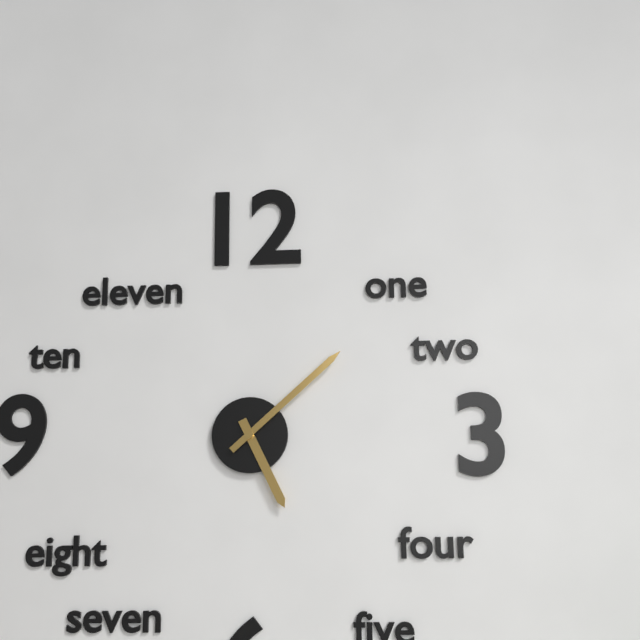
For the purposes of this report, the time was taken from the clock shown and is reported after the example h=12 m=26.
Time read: h=5 m=8
